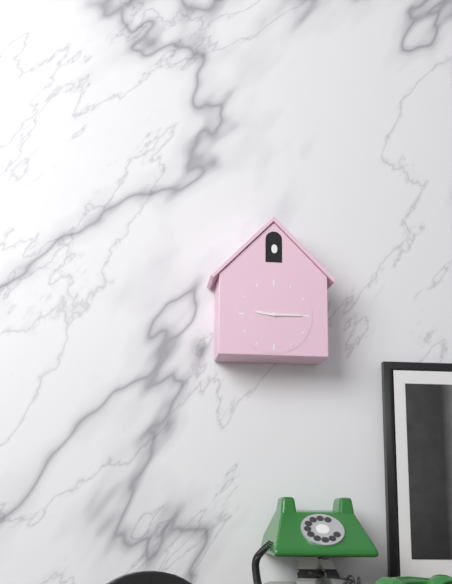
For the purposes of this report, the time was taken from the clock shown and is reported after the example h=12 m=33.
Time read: h=9 m=15
